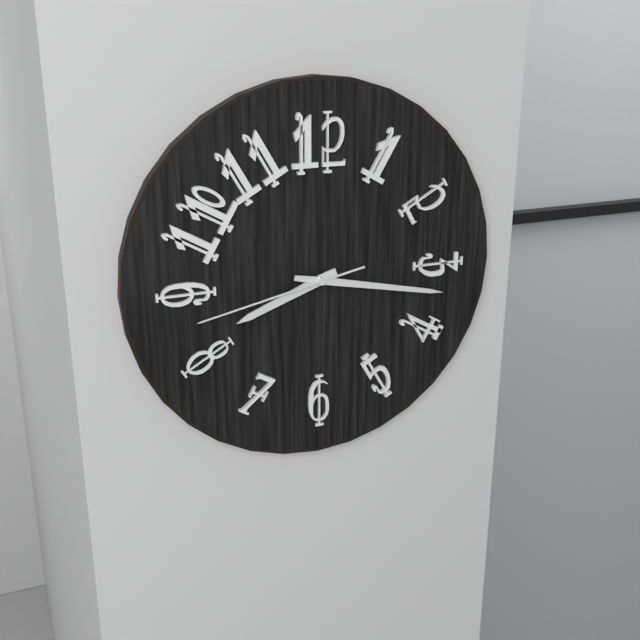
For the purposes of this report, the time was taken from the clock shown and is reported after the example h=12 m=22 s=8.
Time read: h=8 m=17 s=43
